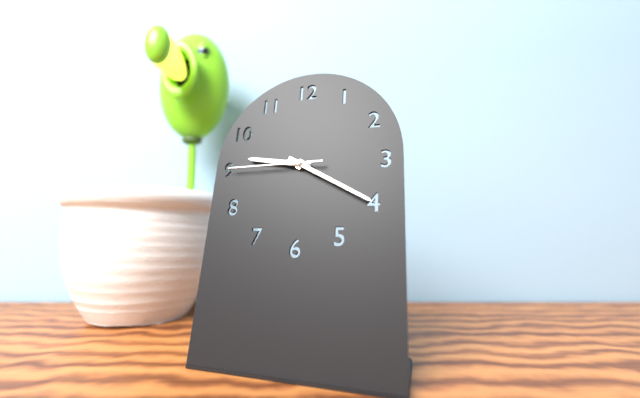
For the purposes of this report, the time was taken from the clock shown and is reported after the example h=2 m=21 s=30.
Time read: h=9 m=20 s=45
